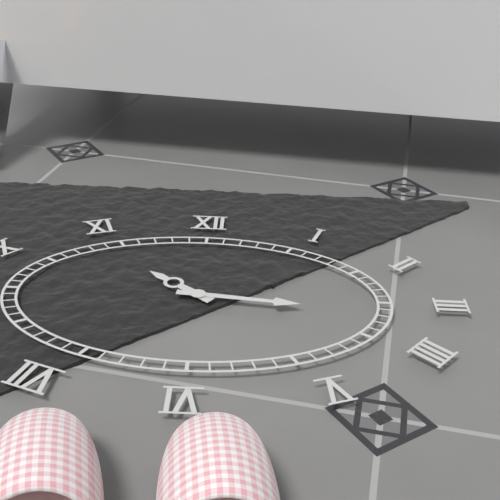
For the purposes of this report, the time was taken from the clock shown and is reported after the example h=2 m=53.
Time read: h=10 m=16
